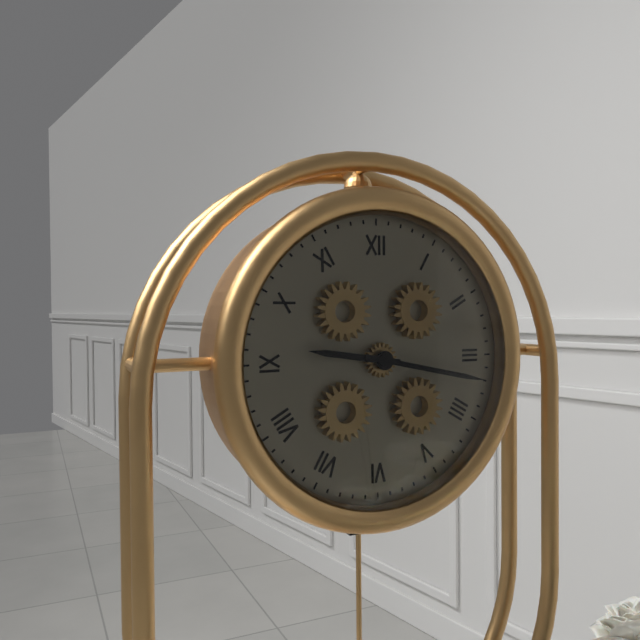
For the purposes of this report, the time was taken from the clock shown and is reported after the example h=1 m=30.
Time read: h=9 m=17
